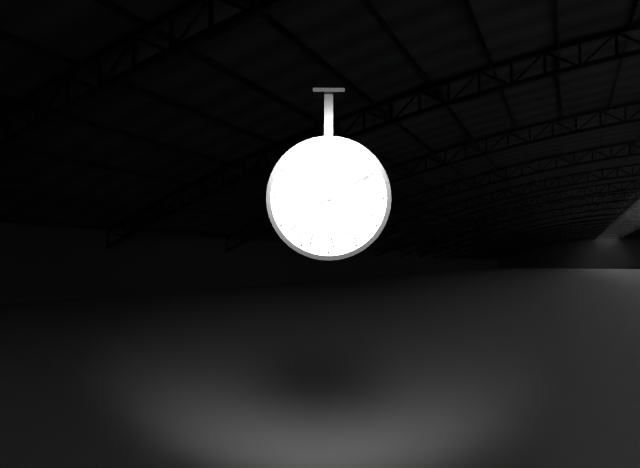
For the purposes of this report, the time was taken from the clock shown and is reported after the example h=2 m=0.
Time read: h=11 m=10
